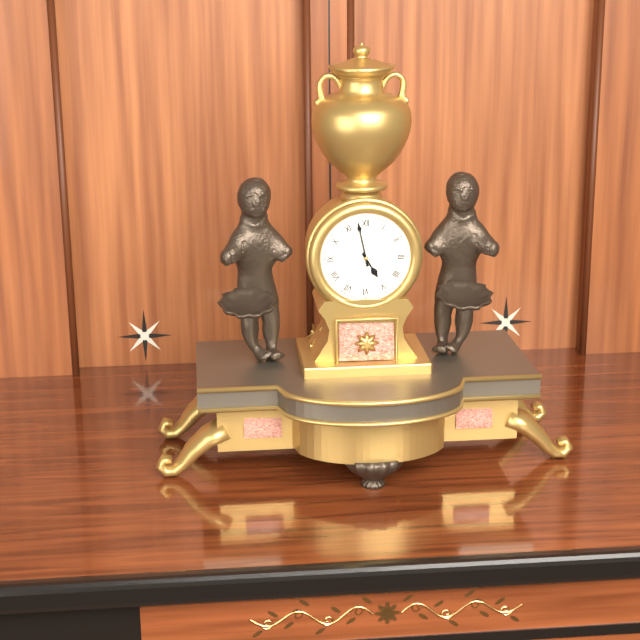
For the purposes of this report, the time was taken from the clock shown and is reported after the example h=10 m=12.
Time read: h=4 m=58
